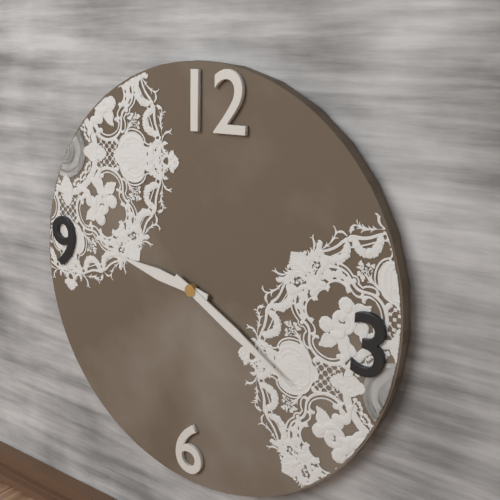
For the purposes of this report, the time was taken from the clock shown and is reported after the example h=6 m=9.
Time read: h=9 m=20
